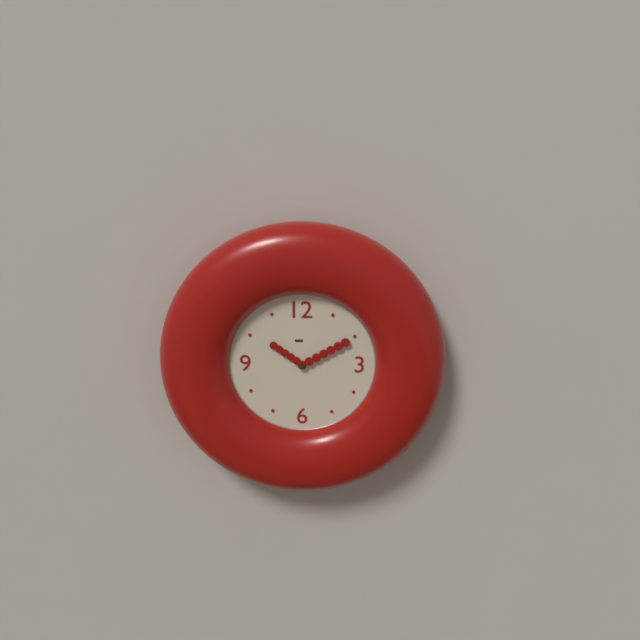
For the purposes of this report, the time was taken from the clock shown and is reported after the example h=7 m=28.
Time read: h=10 m=10
